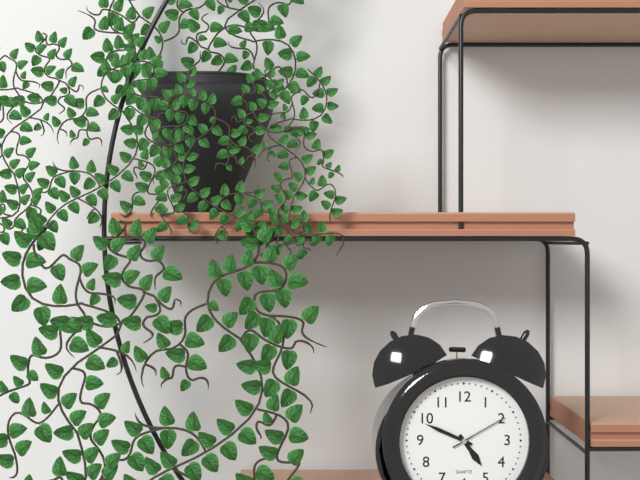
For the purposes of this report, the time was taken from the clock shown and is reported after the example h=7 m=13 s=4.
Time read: h=4 m=49 s=10
